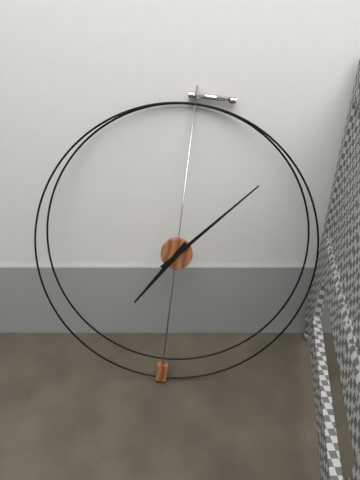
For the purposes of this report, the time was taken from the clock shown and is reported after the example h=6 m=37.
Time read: h=7 m=7
